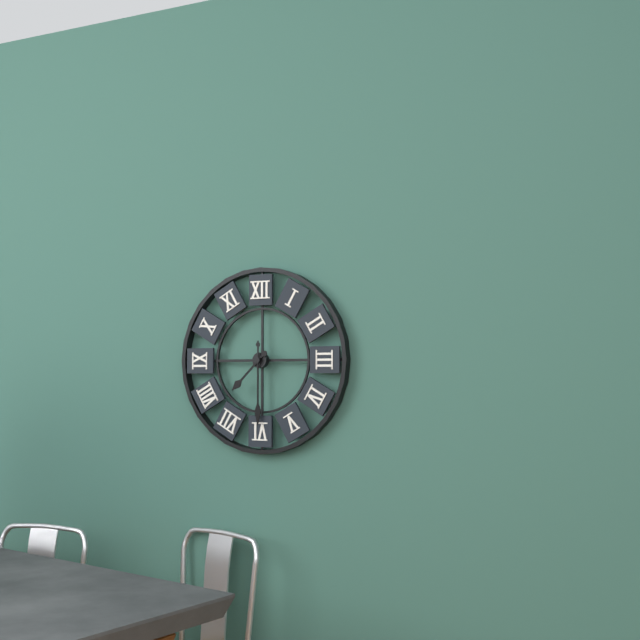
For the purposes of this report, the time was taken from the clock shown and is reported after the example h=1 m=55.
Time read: h=7 m=30
